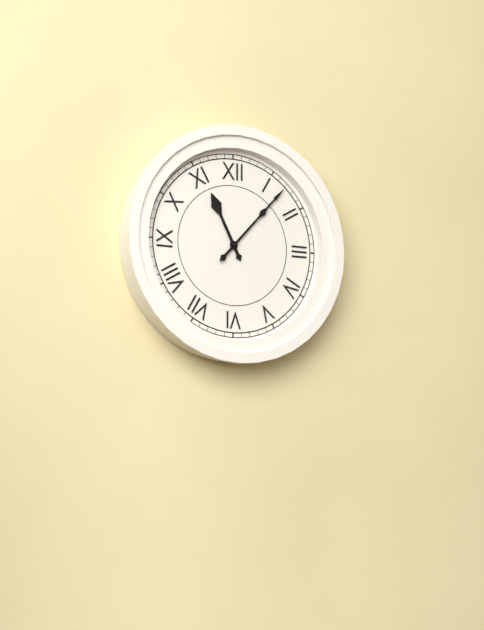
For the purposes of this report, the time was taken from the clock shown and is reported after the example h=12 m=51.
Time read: h=11 m=7
